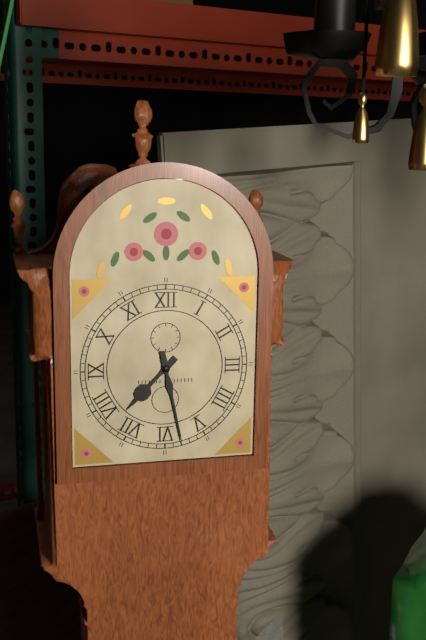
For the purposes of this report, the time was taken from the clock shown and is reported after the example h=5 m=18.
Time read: h=7 m=28
